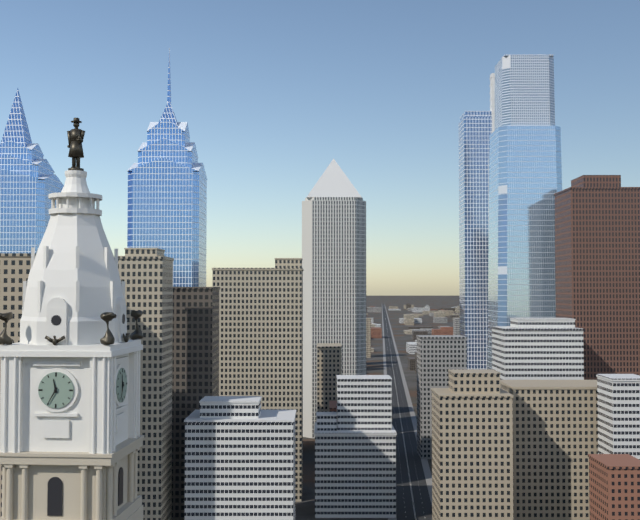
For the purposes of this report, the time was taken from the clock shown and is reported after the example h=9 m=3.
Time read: h=11 m=35
